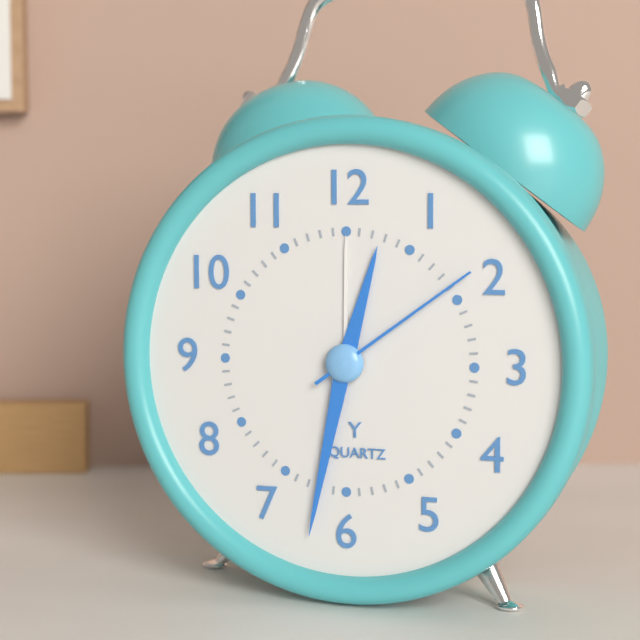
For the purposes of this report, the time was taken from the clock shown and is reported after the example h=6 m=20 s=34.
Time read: h=12 m=32 s=9
